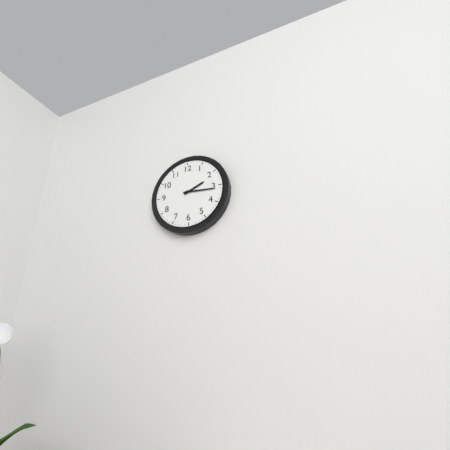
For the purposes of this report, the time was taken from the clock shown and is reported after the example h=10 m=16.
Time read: h=2 m=16
